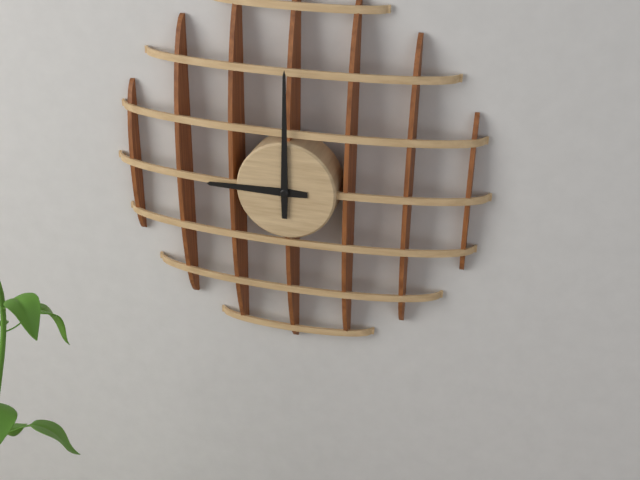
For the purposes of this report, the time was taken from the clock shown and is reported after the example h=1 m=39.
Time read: h=9 m=0
